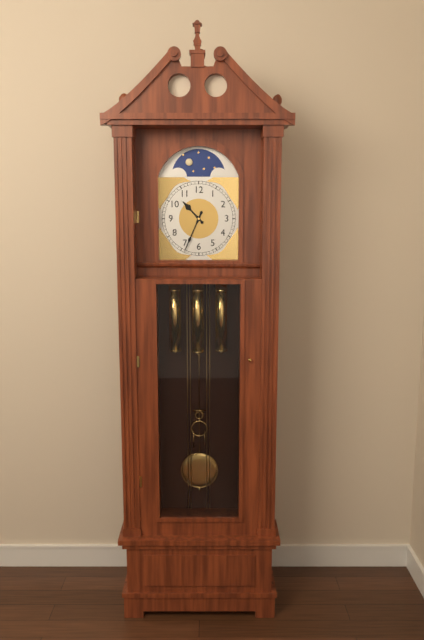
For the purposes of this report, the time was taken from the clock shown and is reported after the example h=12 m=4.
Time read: h=10 m=34
